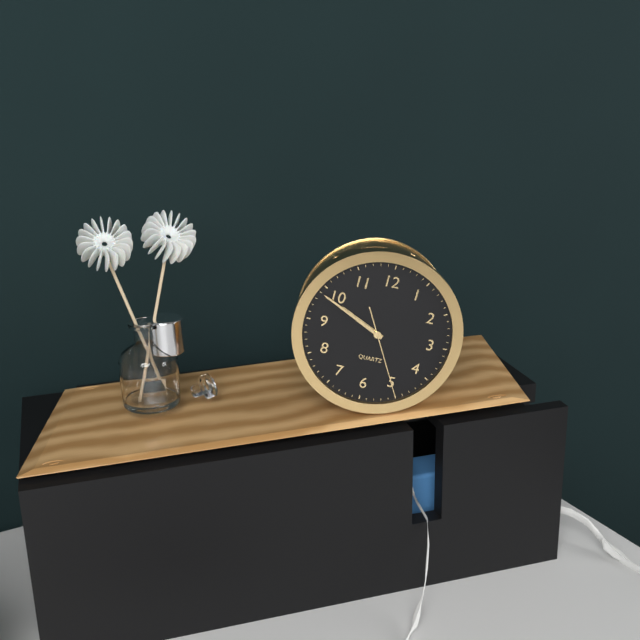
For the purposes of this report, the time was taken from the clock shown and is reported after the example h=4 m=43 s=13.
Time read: h=9 m=49 s=25
